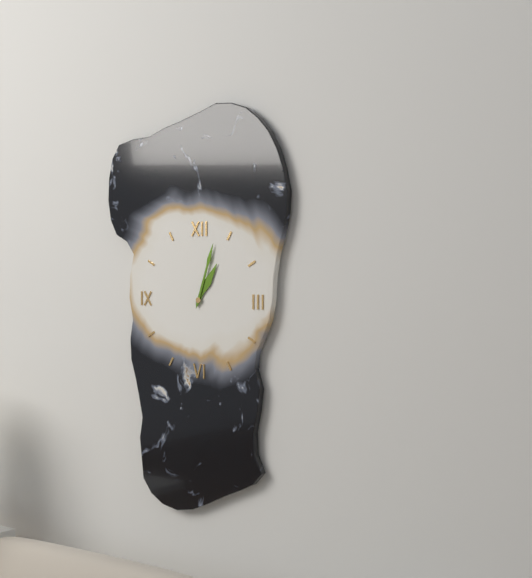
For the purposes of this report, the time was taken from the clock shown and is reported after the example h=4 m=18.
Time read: h=1 m=3
